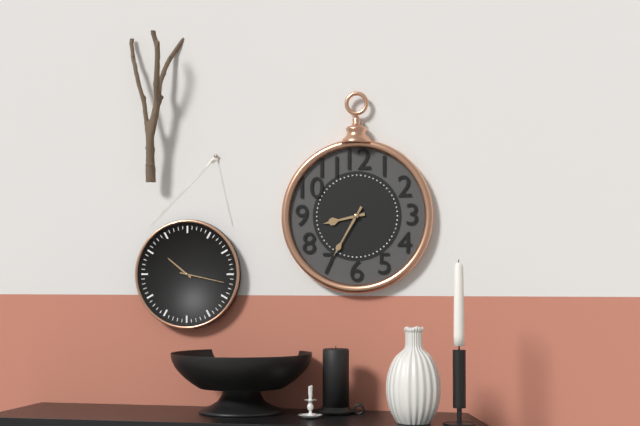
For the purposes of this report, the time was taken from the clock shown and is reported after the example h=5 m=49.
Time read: h=8 m=35
